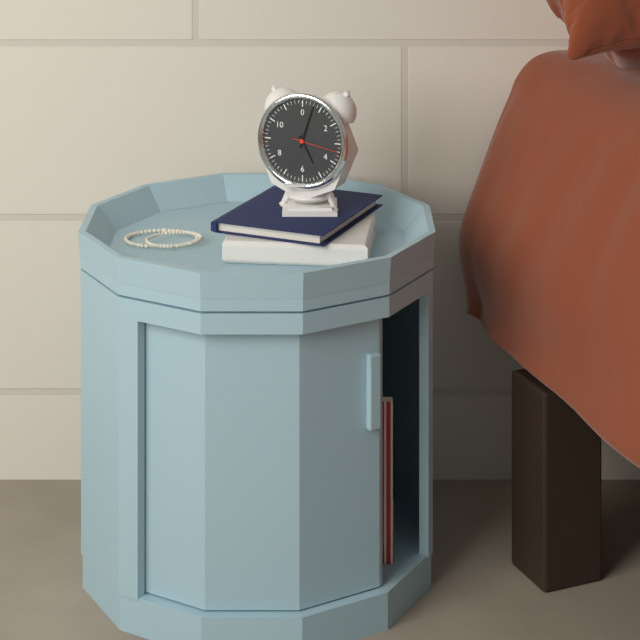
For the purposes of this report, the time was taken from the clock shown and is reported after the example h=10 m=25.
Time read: h=5 m=3
